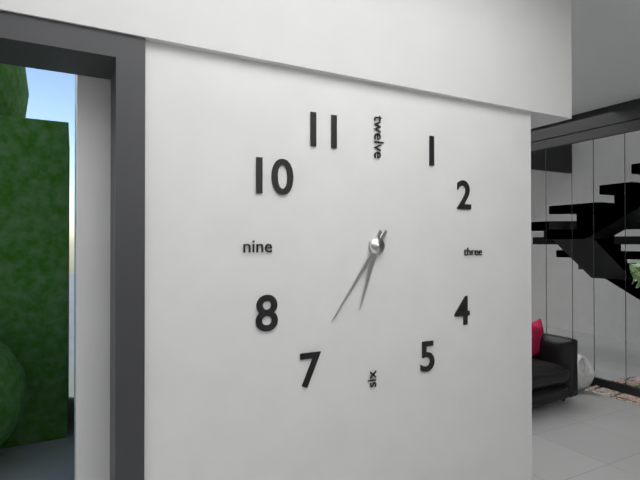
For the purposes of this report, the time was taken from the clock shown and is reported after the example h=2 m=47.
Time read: h=6 m=36
